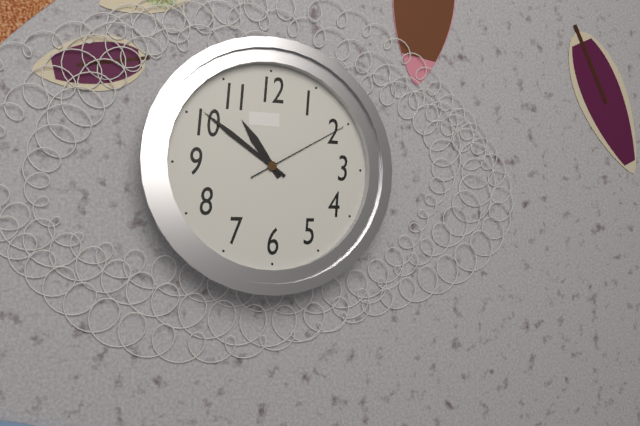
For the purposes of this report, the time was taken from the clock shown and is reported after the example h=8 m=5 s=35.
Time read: h=10 m=51 s=10
